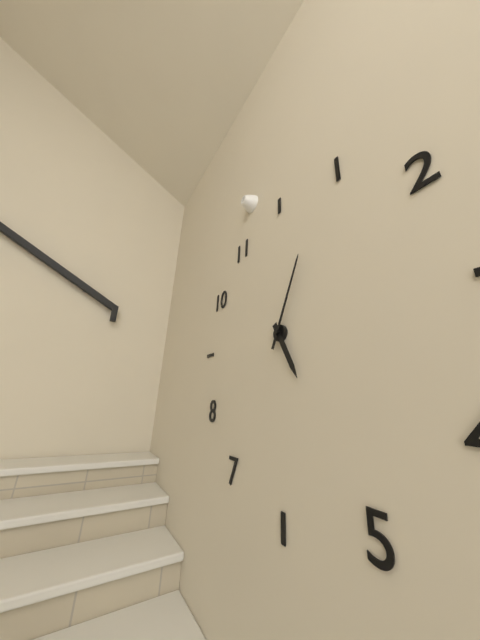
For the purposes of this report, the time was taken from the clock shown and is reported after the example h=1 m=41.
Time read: h=5 m=4
